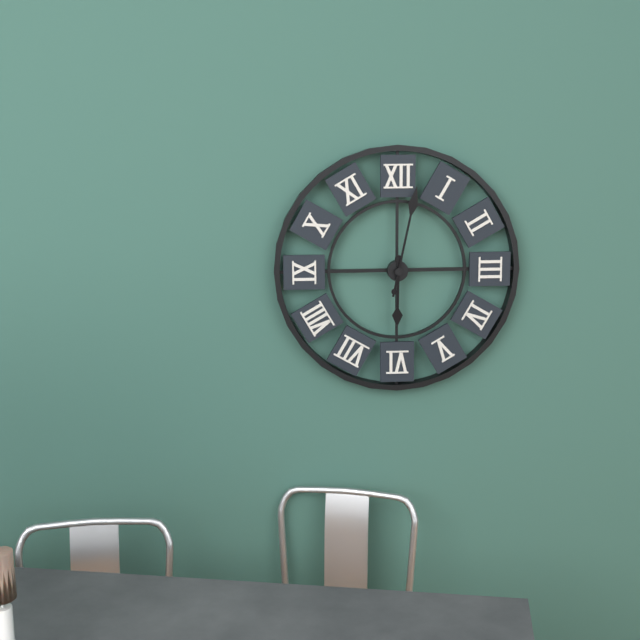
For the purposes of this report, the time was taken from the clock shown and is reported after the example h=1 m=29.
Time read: h=6 m=2
